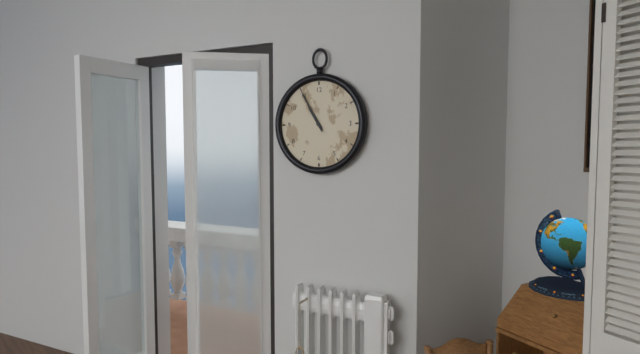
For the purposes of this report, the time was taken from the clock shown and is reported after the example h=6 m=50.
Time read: h=10 m=55
